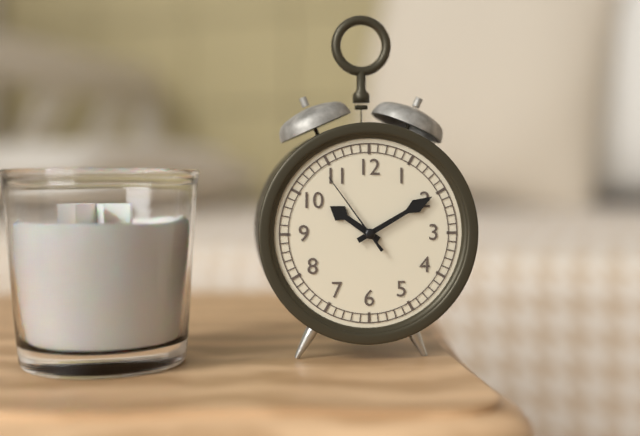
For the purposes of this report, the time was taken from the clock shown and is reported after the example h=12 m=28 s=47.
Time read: h=10 m=10 s=54
